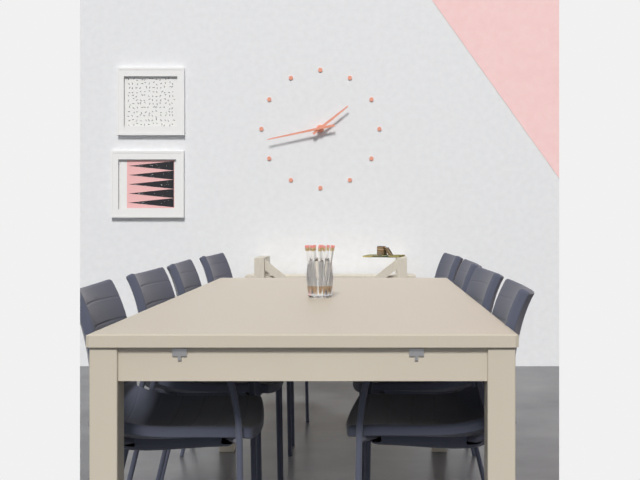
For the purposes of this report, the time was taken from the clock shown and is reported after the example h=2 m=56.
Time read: h=1 m=43
